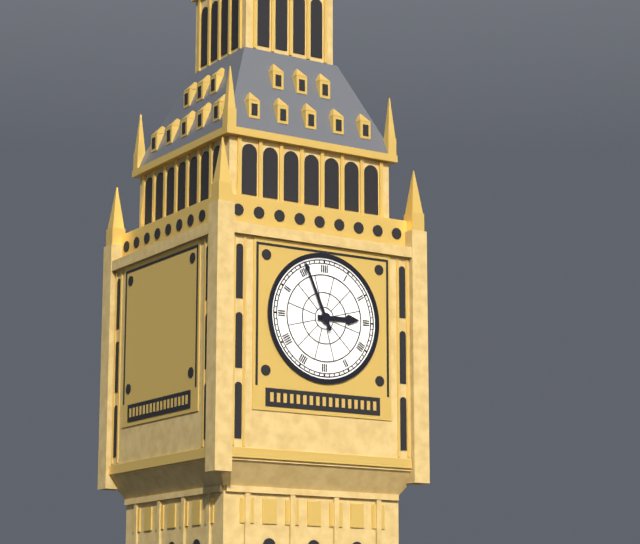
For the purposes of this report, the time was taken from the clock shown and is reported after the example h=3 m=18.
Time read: h=2 m=56
